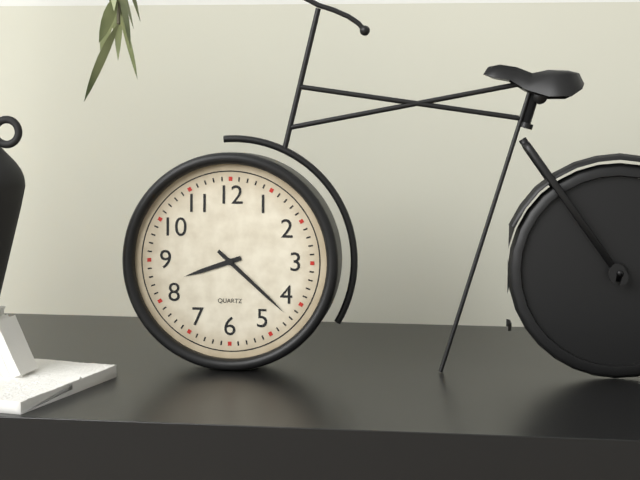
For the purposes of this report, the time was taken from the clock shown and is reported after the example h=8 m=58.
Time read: h=8 m=22
